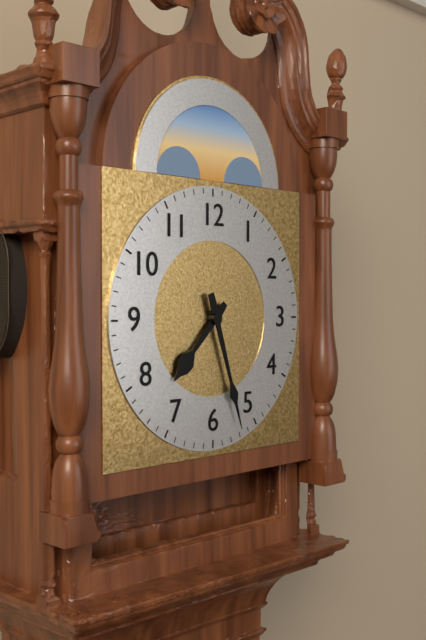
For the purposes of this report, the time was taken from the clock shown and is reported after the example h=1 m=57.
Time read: h=7 m=27
